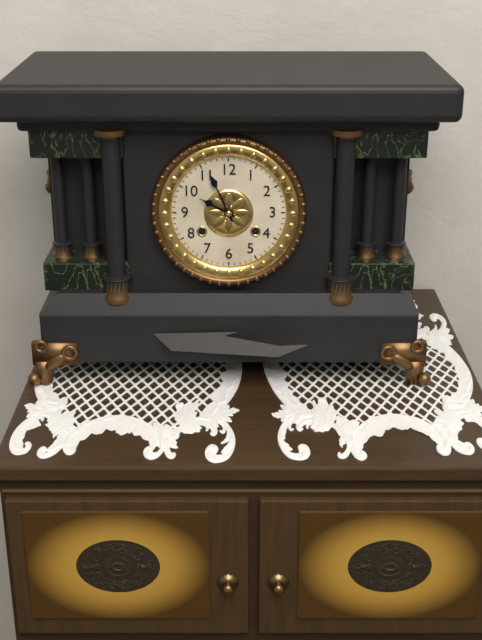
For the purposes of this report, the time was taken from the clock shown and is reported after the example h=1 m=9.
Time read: h=9 m=56
